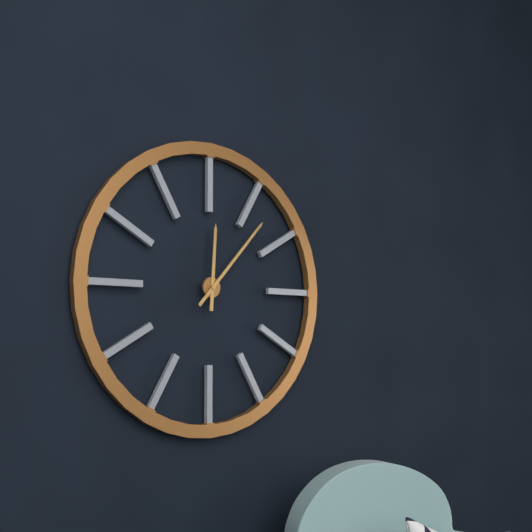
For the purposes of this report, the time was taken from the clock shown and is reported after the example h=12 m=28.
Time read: h=12 m=7
